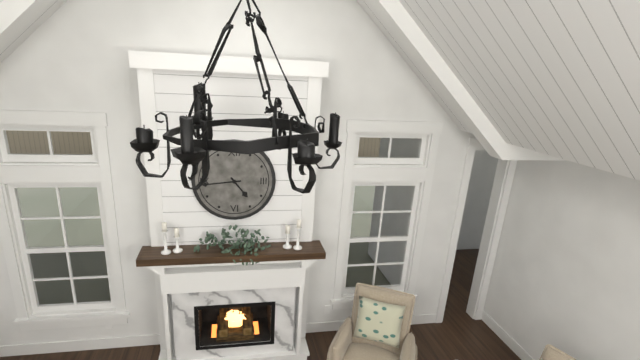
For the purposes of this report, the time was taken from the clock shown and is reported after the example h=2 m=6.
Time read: h=4 m=44
